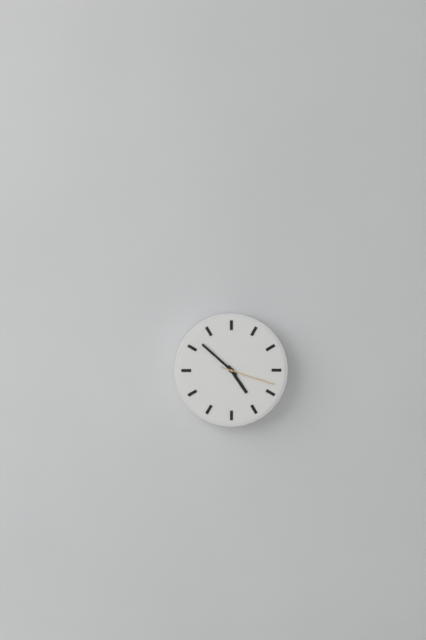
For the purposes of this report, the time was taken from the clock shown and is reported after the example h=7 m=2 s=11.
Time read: h=4 m=52 s=18
